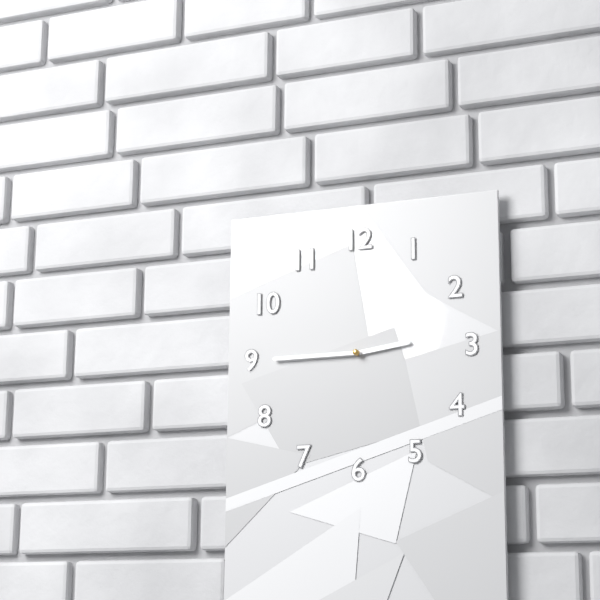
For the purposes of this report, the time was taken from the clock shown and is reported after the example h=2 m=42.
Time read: h=2 m=45
